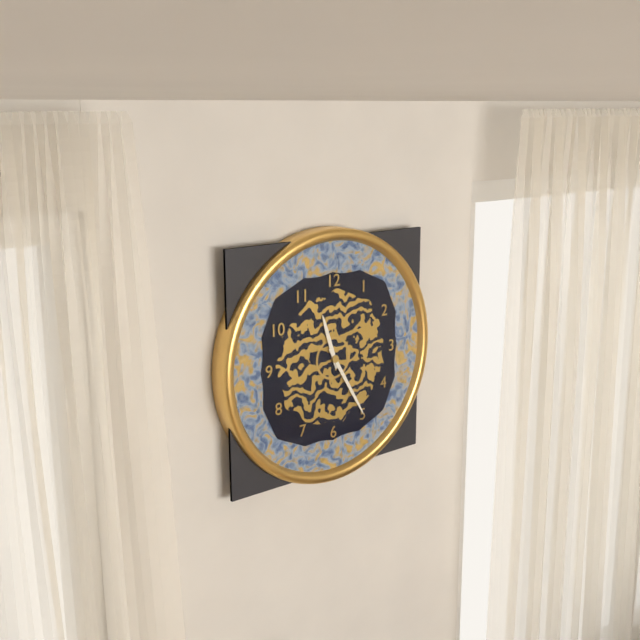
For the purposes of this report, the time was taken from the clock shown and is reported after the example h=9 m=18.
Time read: h=11 m=25
